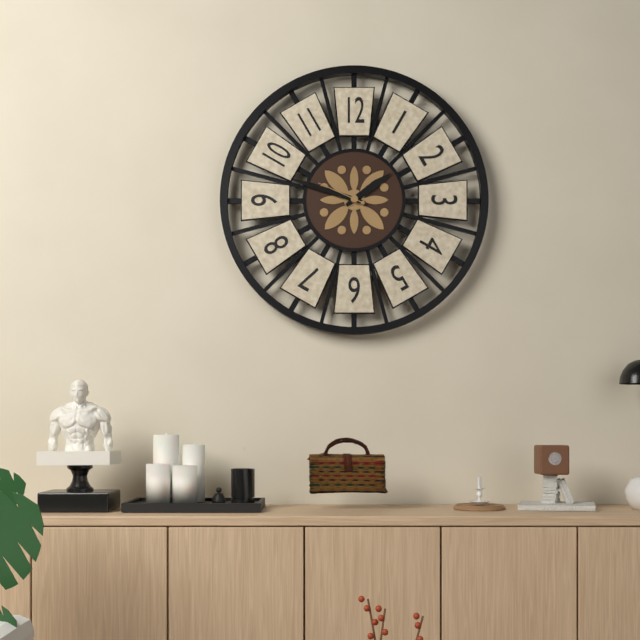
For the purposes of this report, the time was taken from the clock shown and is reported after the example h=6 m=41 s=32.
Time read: h=1 m=48 s=49
